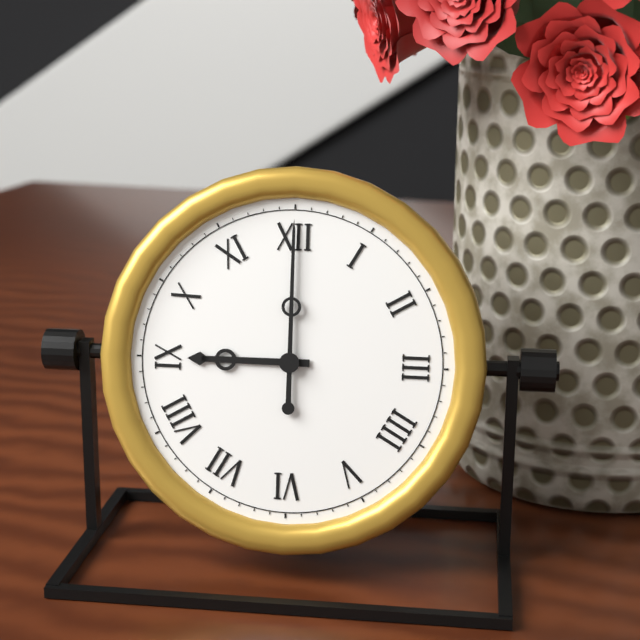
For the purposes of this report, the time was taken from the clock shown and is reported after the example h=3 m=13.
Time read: h=9 m=0
